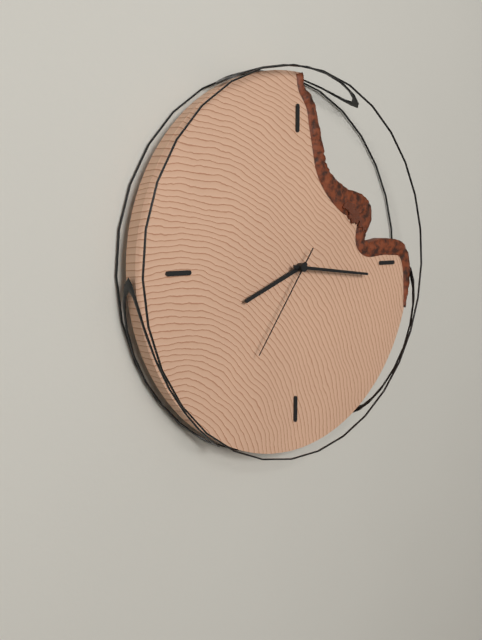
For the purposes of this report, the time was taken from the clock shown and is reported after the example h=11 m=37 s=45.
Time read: h=8 m=16 s=36
